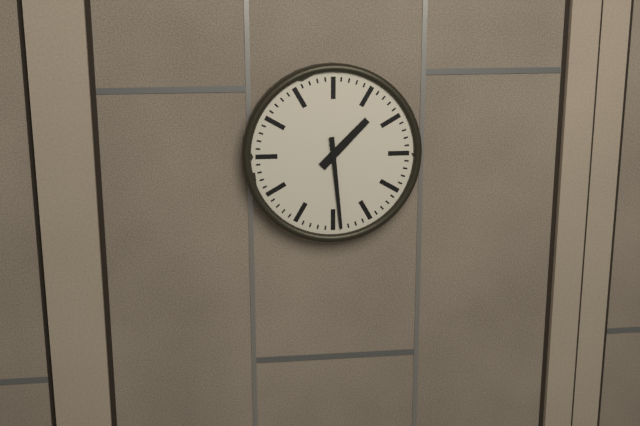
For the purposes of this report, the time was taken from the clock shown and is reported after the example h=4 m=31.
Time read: h=1 m=29
